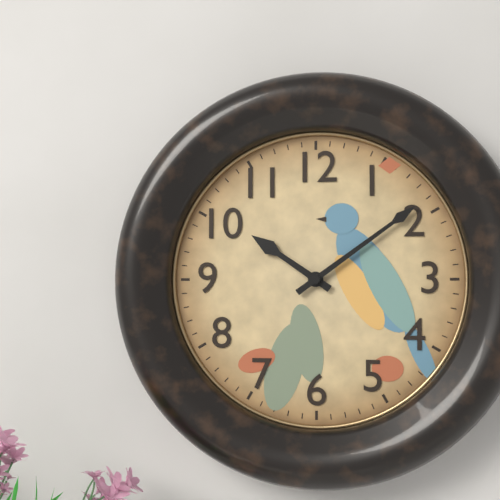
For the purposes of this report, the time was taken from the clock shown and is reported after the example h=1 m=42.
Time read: h=10 m=9
